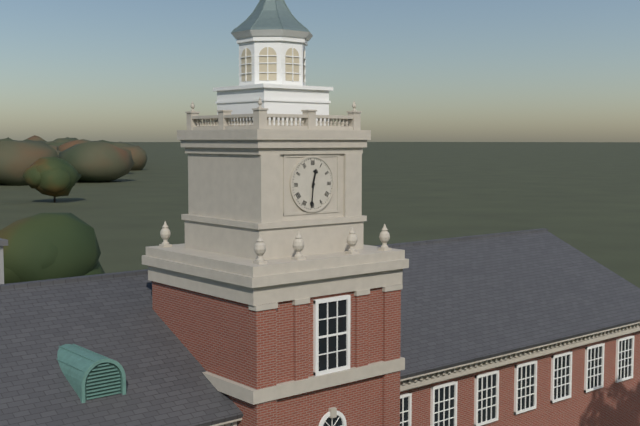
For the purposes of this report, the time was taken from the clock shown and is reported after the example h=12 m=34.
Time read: h=12 m=31
